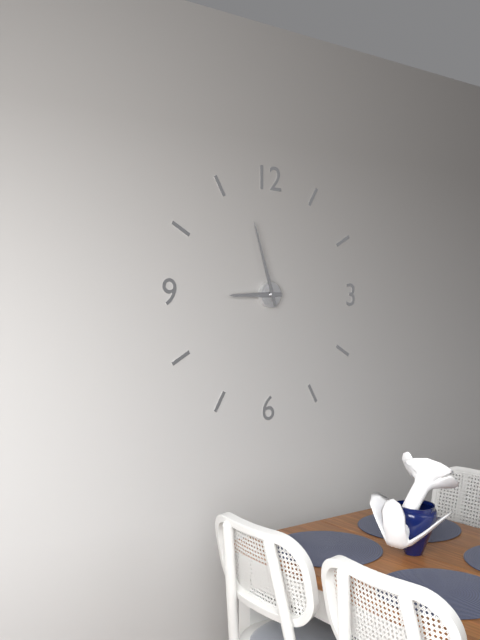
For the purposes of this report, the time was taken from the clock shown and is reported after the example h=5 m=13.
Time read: h=8 m=57
